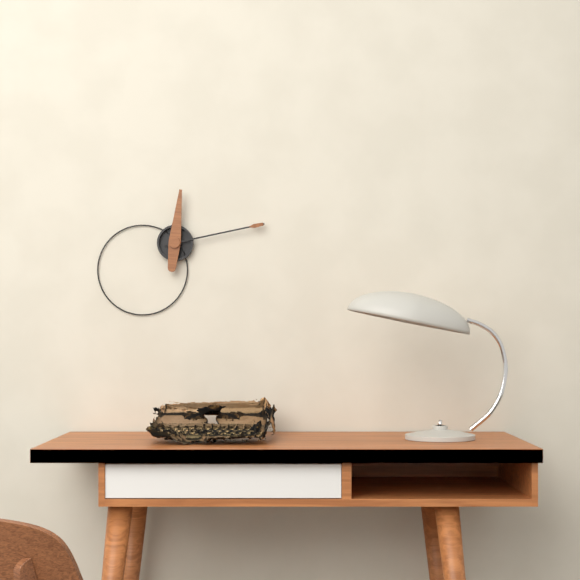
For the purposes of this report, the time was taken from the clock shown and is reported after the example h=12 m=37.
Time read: h=12 m=13
